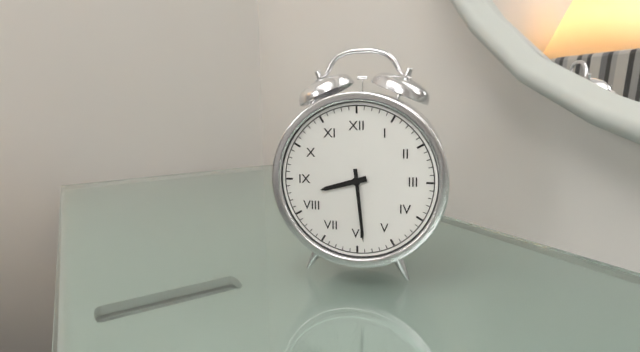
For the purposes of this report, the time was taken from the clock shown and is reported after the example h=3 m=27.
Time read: h=8 m=29
